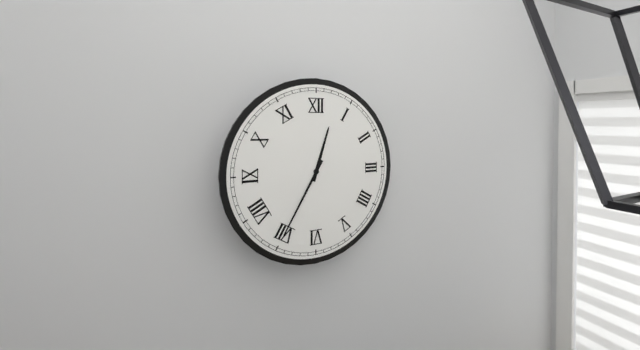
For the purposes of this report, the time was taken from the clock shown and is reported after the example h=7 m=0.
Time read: h=12 m=35
